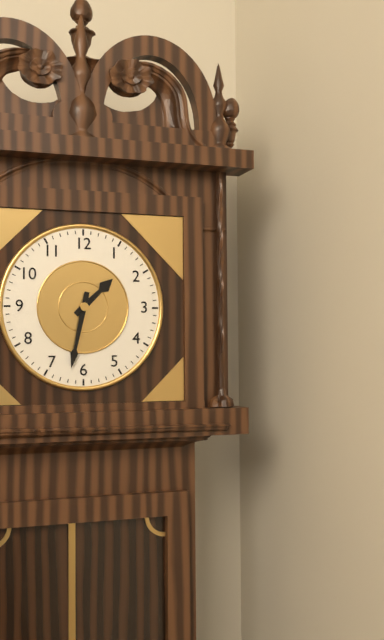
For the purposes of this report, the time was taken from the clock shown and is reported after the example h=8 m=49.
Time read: h=1 m=32
